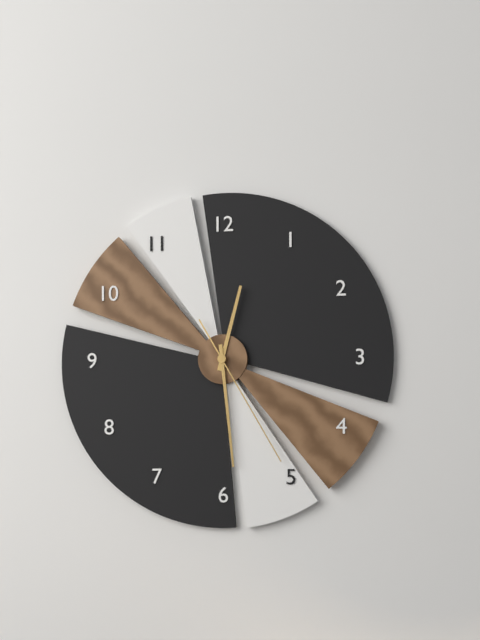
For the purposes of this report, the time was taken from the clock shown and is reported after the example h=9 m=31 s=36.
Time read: h=12 m=29 s=25
